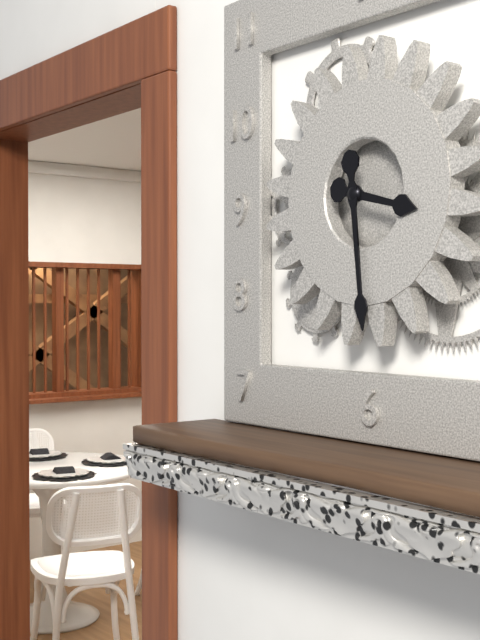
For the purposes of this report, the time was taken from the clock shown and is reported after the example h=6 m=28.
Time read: h=3 m=29
